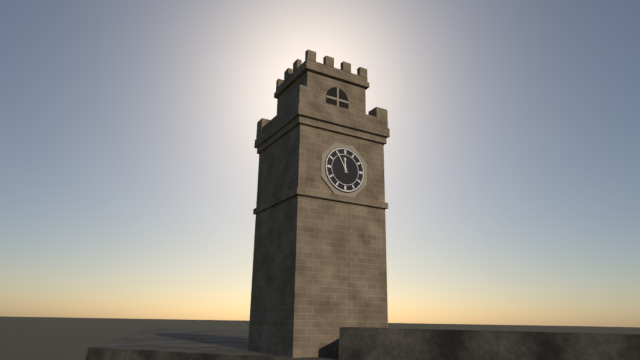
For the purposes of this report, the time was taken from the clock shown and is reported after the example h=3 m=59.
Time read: h=11 m=55
